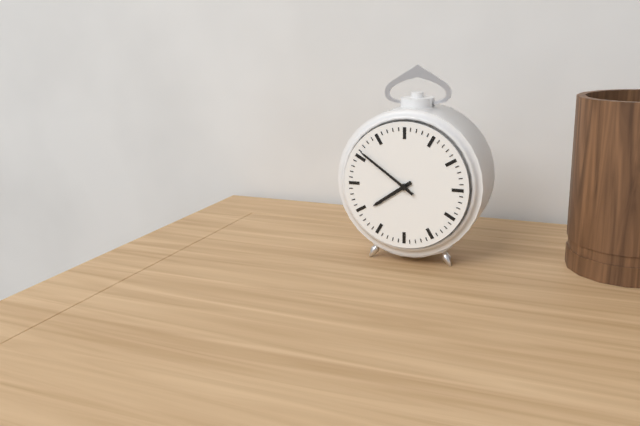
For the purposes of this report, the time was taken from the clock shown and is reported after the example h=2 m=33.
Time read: h=7 m=51
